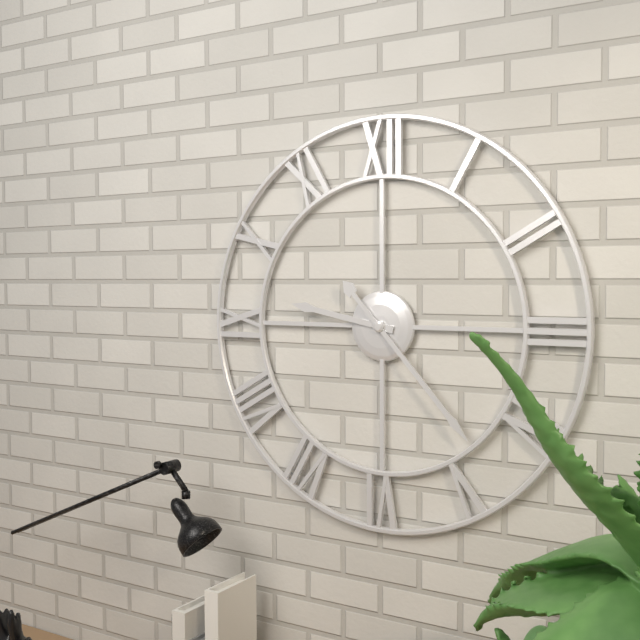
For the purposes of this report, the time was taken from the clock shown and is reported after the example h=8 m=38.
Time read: h=9 m=23
